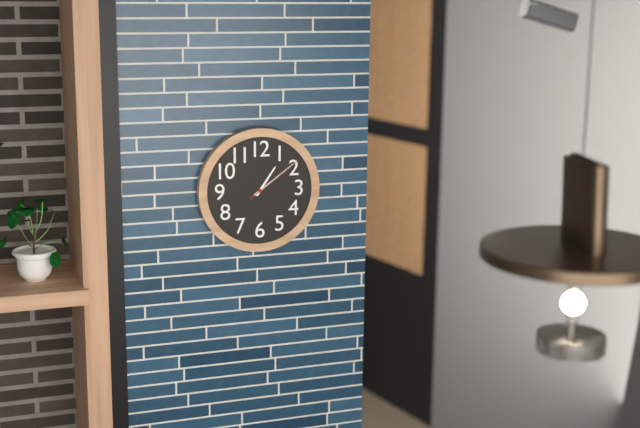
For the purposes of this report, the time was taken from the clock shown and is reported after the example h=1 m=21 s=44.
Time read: h=1 m=9 s=9
